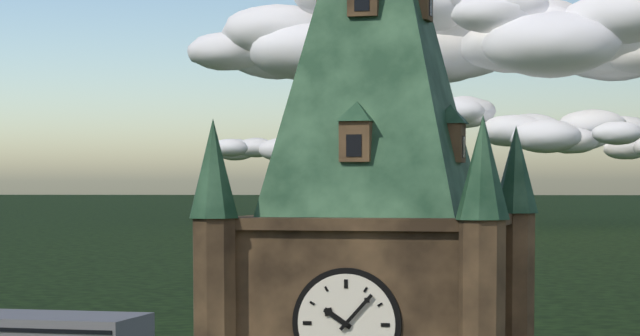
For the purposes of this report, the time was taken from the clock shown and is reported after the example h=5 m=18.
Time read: h=10 m=7
